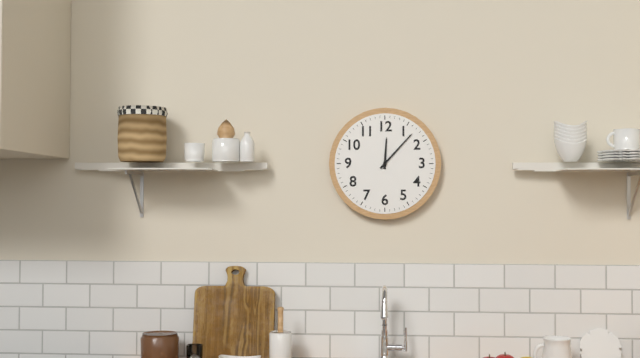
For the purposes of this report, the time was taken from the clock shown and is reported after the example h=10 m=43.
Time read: h=12 m=7
